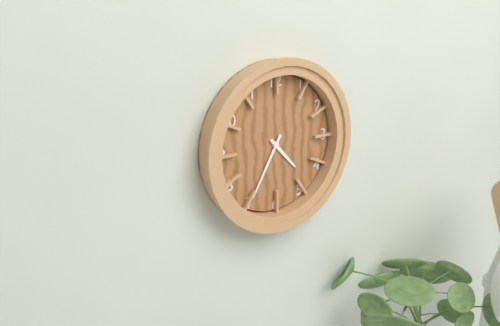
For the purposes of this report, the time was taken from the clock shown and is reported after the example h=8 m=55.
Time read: h=4 m=35
